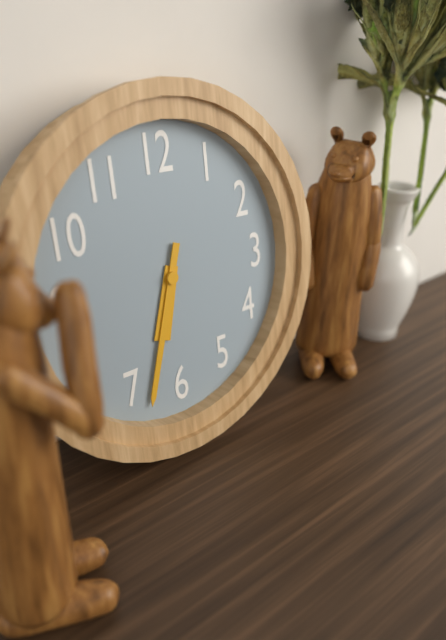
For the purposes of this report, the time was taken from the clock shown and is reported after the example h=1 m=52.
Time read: h=6 m=33
